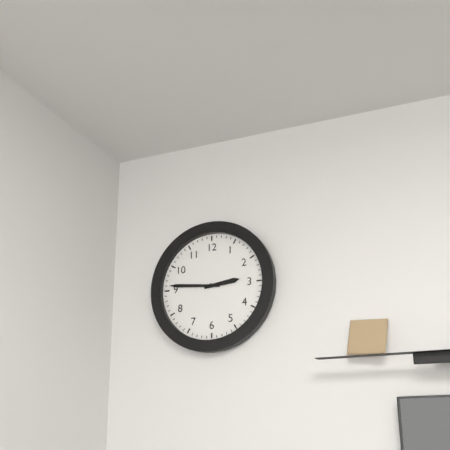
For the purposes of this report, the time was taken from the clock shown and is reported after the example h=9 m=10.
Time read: h=2 m=46
